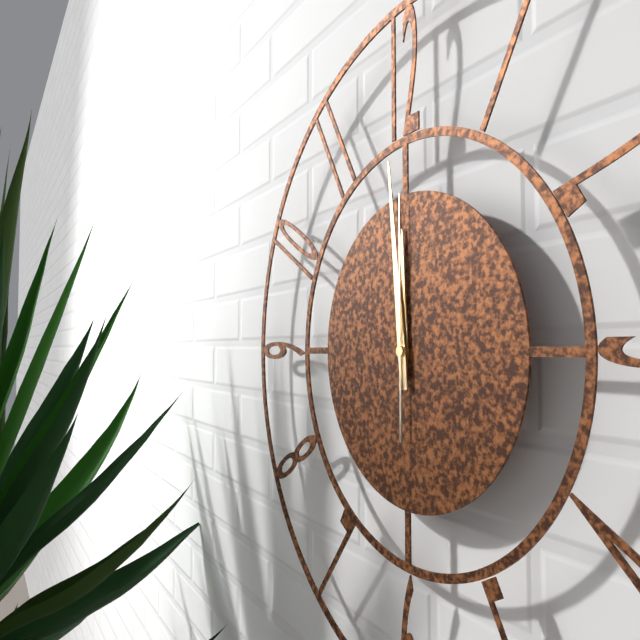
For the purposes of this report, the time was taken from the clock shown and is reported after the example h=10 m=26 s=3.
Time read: h=11 m=59 s=0
